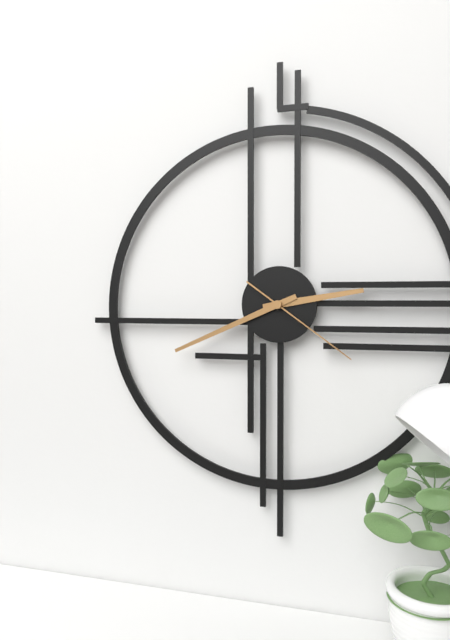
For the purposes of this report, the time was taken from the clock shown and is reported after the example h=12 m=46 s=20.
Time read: h=2 m=41 s=21
